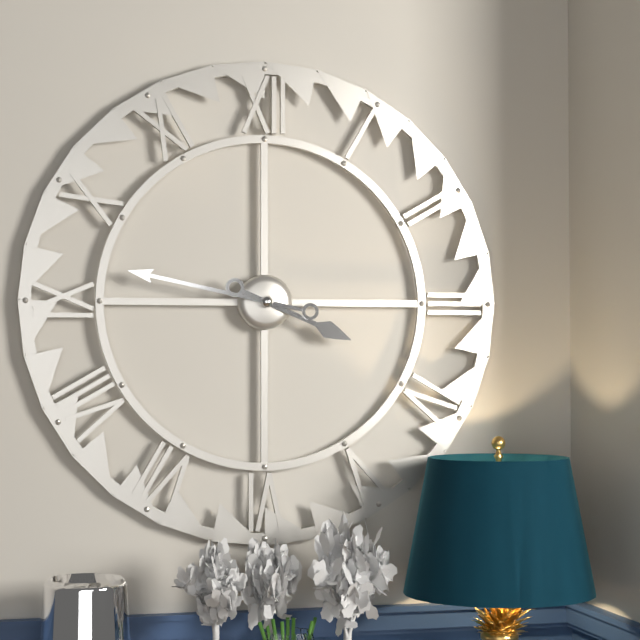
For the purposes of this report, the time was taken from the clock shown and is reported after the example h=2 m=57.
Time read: h=3 m=47
